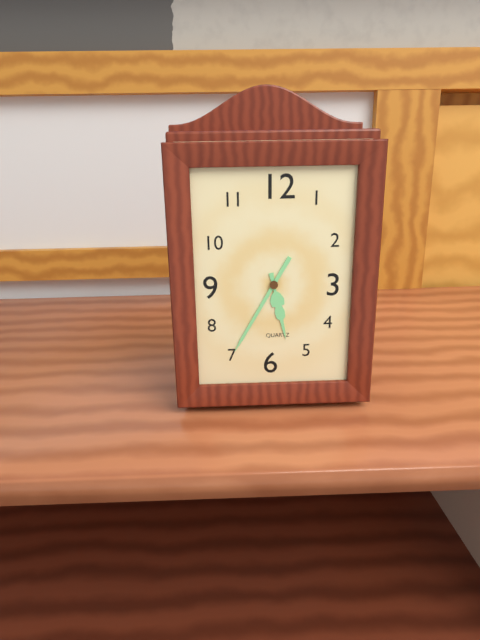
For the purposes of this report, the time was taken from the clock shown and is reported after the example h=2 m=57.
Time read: h=5 m=35
